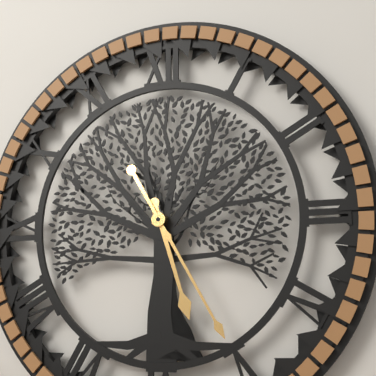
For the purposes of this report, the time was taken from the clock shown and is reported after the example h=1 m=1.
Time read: h=5 m=25
